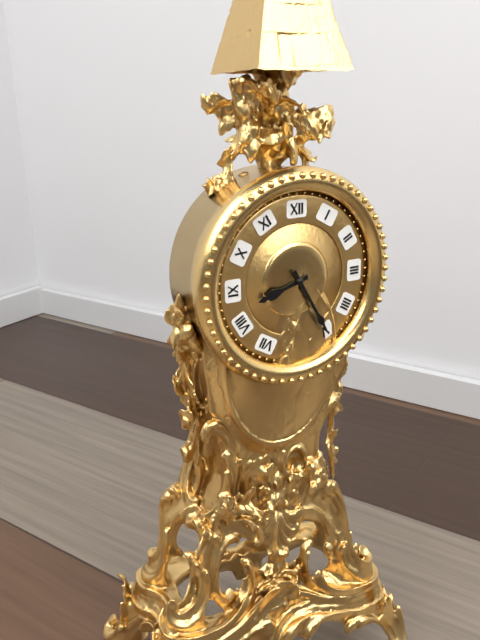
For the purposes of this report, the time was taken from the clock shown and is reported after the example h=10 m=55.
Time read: h=8 m=25
